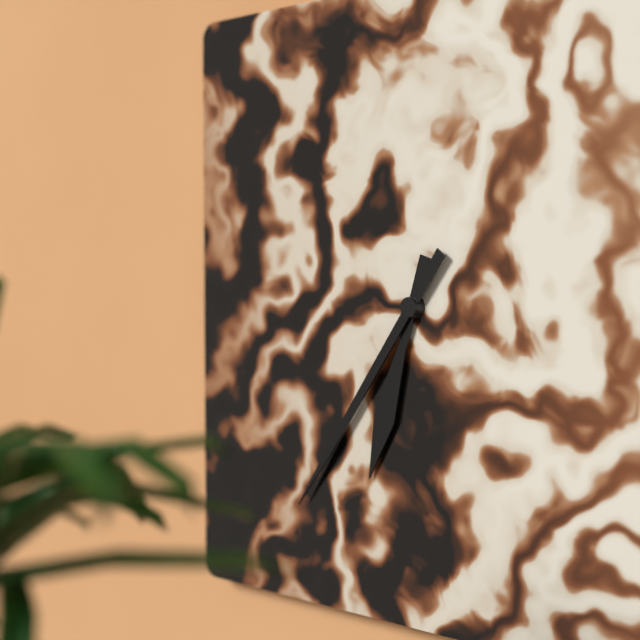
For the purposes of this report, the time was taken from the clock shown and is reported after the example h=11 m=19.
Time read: h=6 m=36
